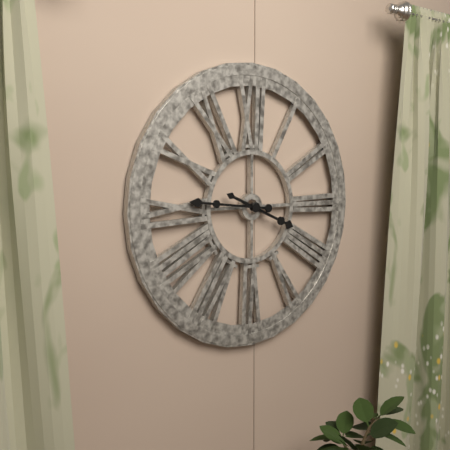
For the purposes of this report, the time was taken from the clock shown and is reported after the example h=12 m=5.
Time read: h=3 m=46
